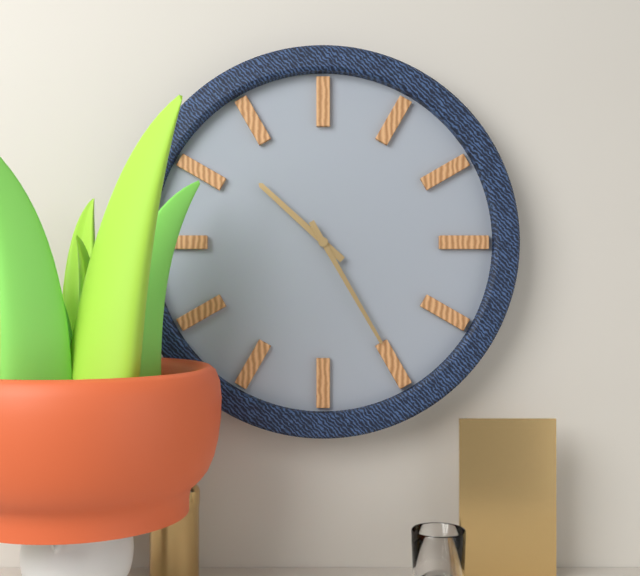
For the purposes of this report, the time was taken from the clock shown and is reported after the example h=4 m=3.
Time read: h=10 m=25
